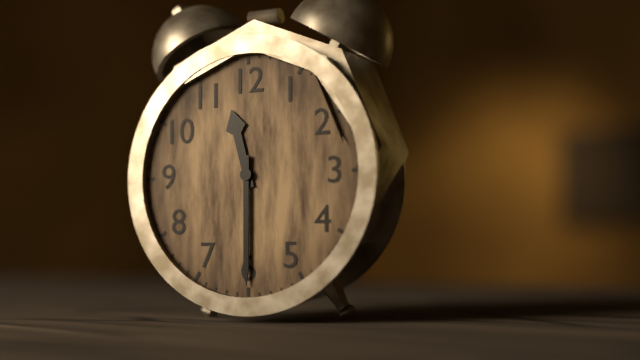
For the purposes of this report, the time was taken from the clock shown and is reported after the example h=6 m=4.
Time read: h=11 m=30
